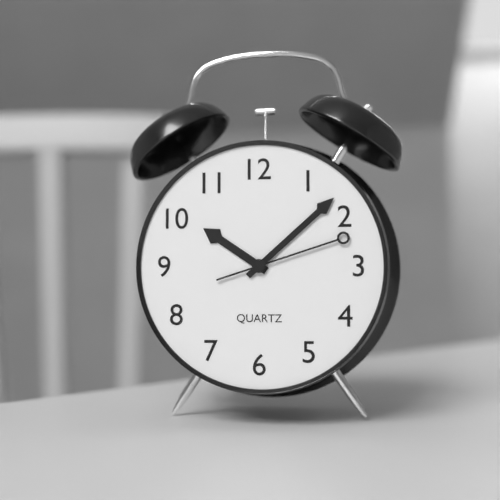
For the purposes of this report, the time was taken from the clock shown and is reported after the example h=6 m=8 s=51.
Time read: h=10 m=8 s=12
